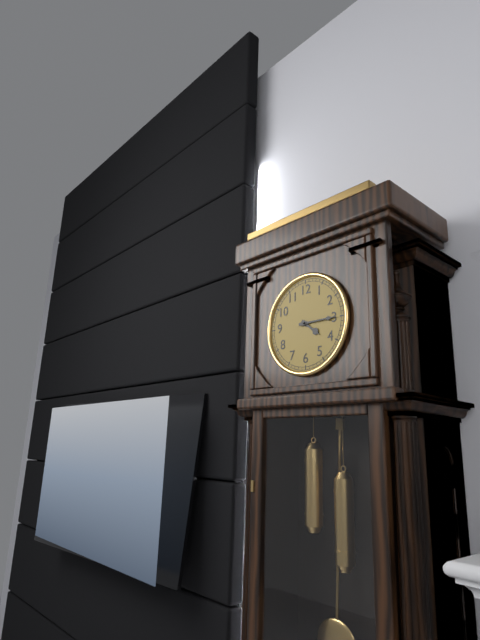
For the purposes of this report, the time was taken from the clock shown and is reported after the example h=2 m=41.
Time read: h=4 m=15
